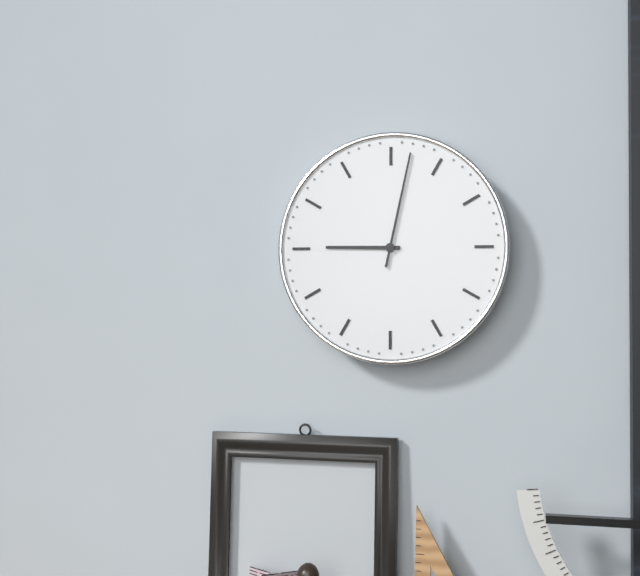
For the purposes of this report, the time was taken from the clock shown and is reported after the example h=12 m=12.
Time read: h=9 m=2
